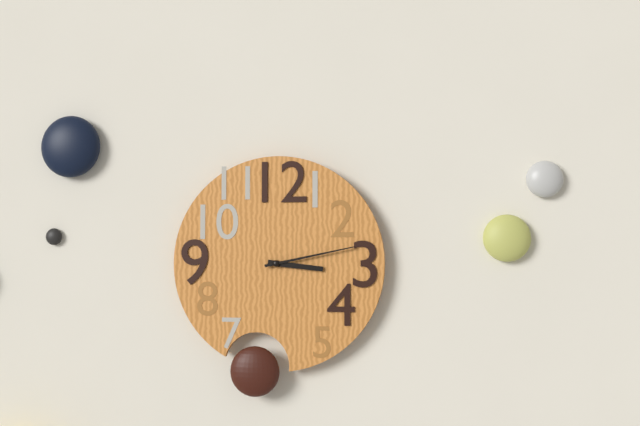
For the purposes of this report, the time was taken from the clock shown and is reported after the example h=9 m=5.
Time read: h=3 m=13
